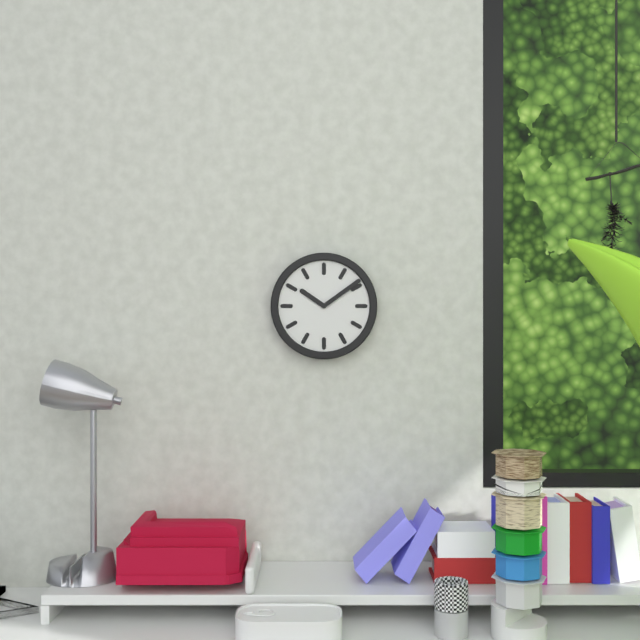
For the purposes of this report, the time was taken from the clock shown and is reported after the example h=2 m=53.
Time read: h=10 m=9
